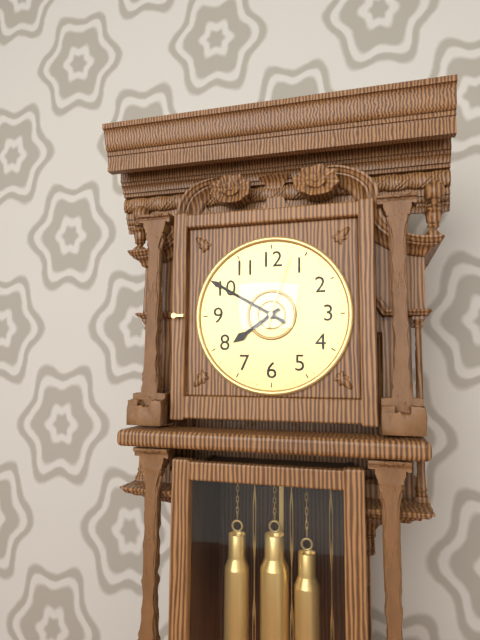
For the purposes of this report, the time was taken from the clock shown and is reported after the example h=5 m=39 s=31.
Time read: h=7 m=50 s=3
